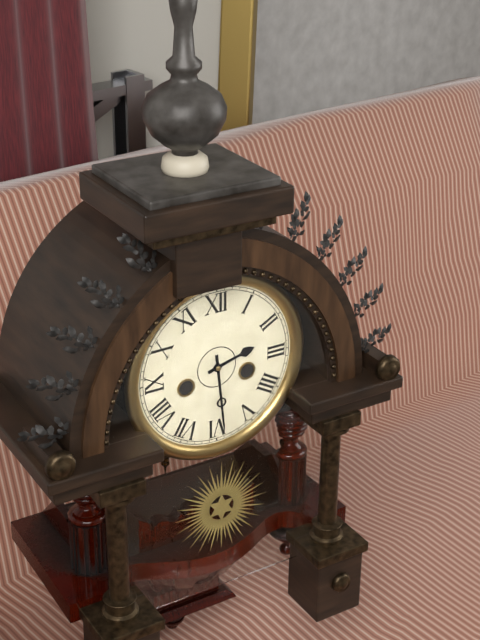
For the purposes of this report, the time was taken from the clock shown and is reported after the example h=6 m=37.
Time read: h=2 m=29
